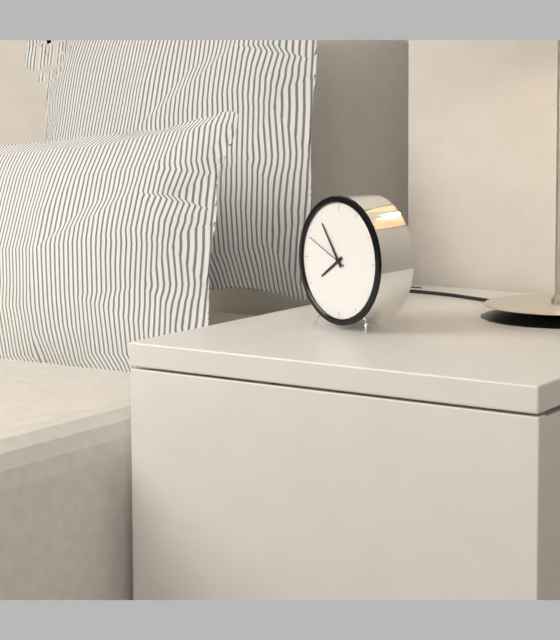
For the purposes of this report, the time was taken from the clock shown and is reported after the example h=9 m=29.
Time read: h=7 m=54
